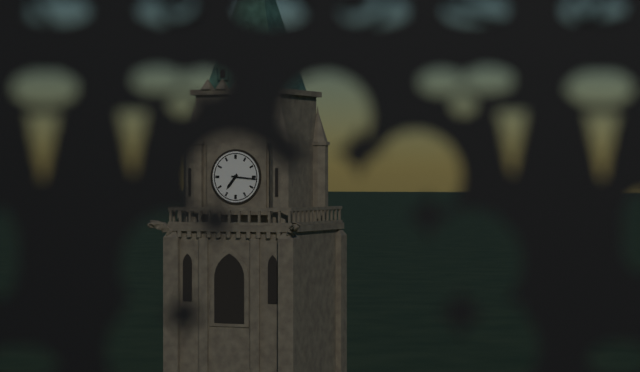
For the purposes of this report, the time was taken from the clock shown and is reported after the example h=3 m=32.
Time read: h=7 m=16
